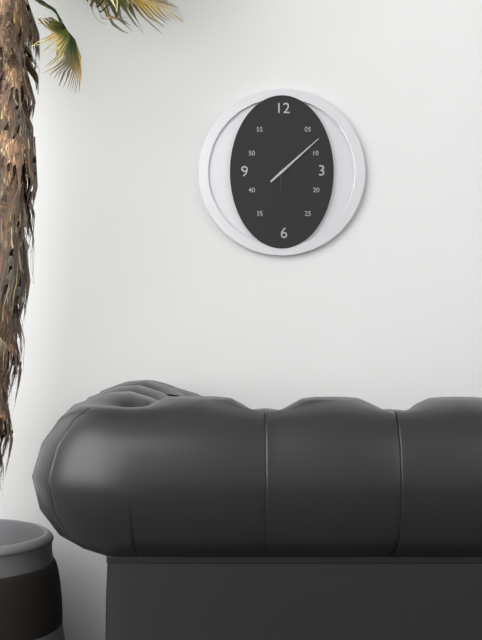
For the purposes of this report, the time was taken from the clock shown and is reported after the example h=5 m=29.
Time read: h=6 m=8
